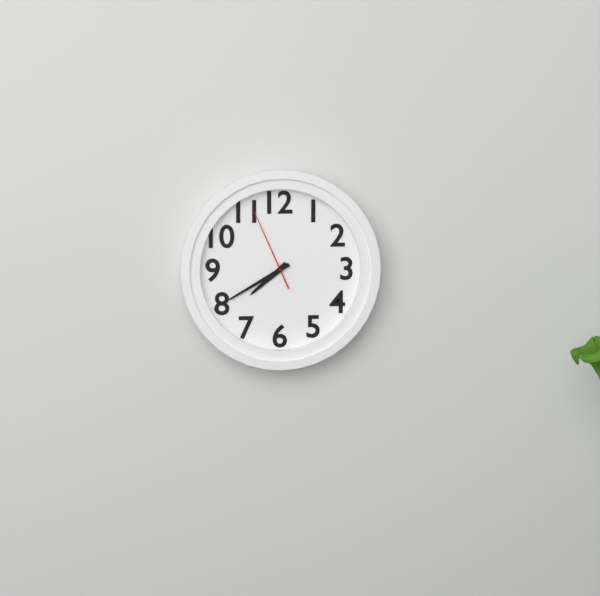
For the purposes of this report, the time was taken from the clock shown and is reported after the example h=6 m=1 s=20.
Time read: h=7 m=40 s=56
